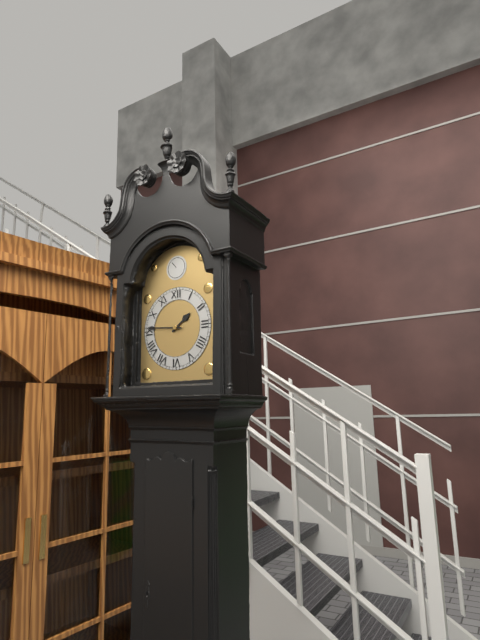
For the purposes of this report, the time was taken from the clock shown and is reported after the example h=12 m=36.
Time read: h=1 m=46
